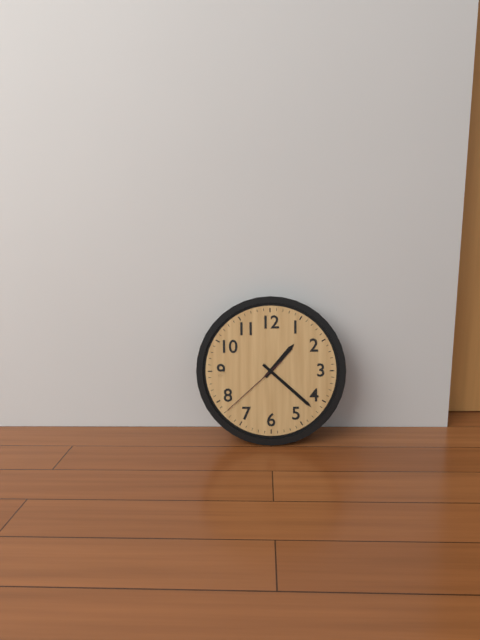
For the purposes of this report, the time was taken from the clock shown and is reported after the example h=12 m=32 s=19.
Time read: h=1 m=22 s=38
